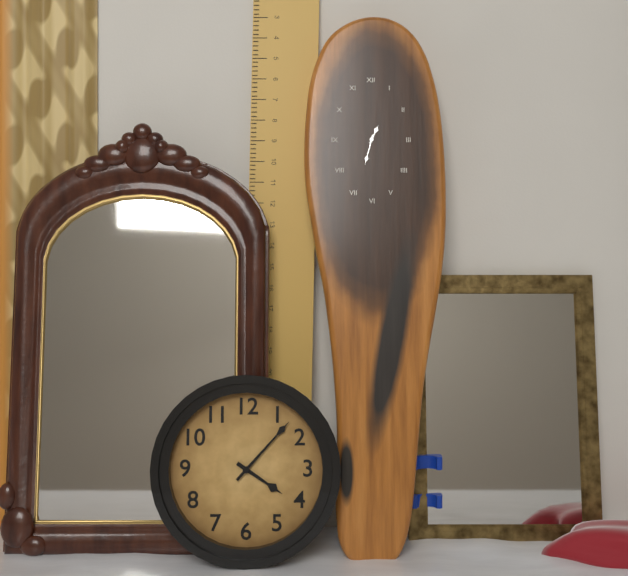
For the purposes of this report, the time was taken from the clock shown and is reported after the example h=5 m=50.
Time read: h=4 m=7
